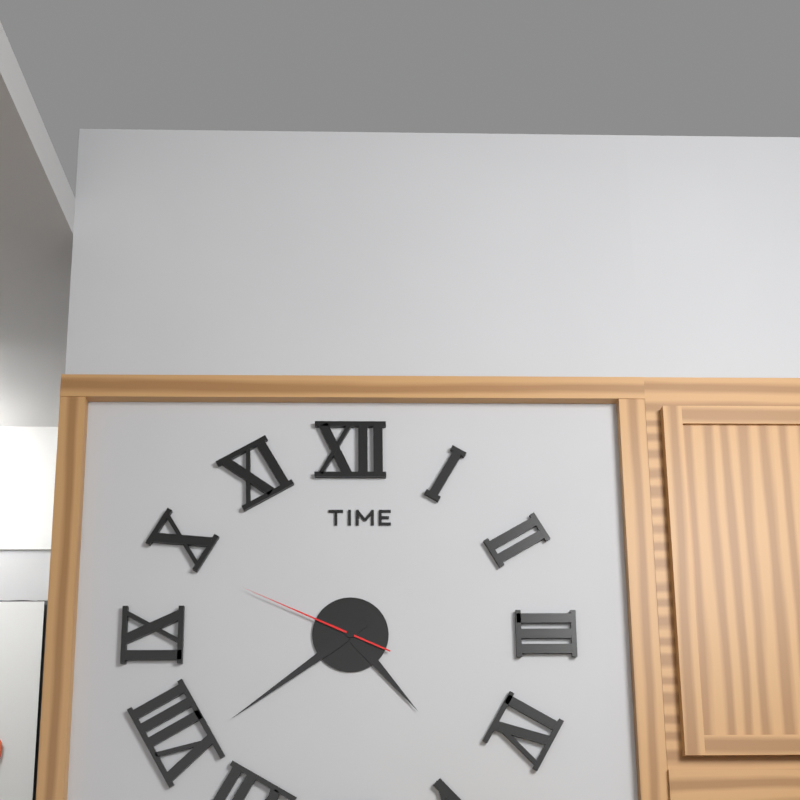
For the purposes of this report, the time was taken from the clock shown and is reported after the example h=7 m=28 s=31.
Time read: h=4 m=39 s=49
